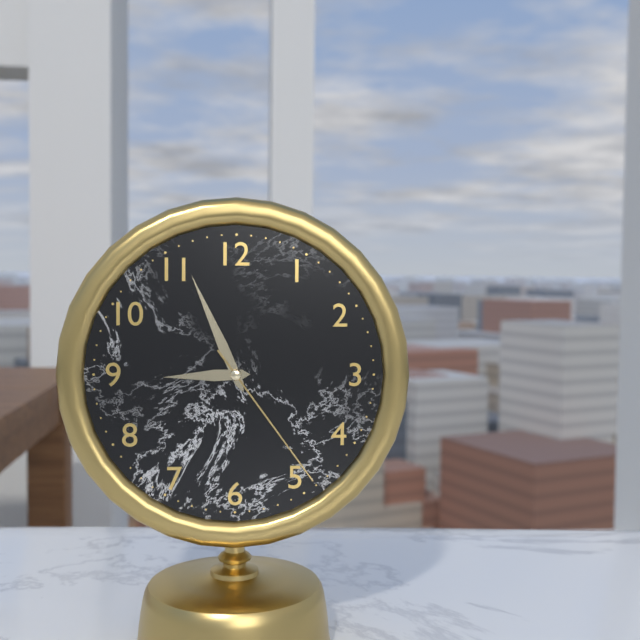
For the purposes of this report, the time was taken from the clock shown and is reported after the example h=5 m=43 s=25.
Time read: h=8 m=56 s=24
